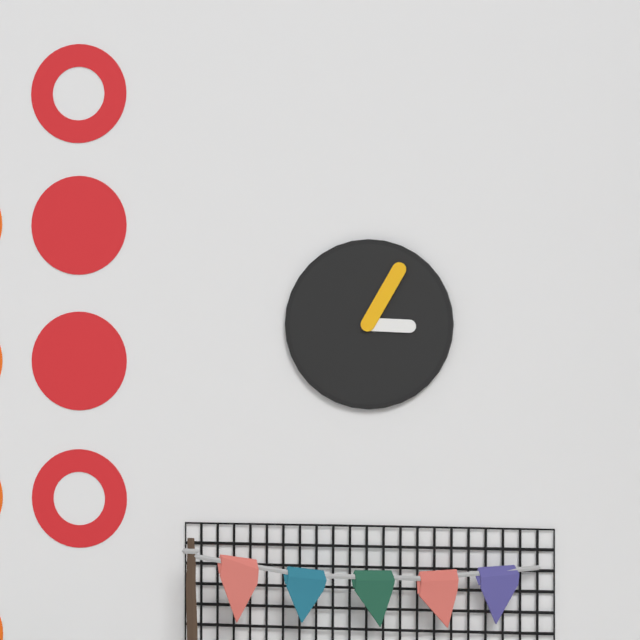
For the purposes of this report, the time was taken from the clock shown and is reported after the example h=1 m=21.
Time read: h=3 m=5
